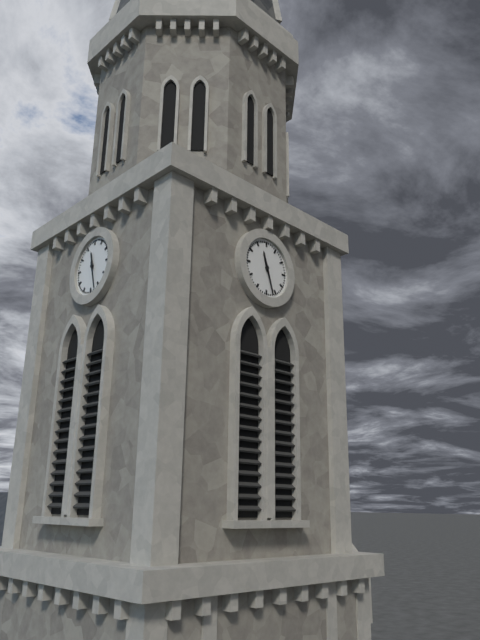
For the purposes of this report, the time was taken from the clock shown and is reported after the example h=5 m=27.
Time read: h=11 m=27
